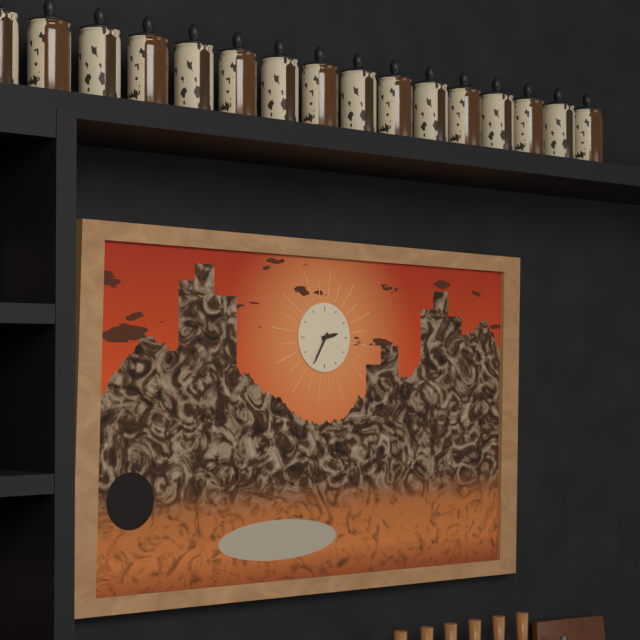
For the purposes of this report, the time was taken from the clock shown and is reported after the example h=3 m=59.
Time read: h=2 m=35
